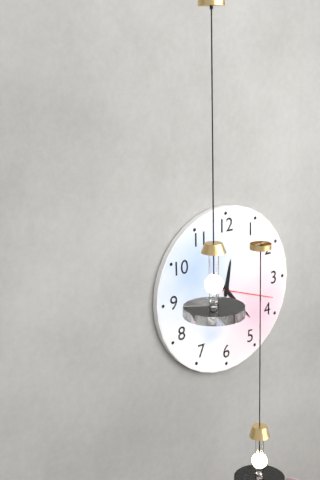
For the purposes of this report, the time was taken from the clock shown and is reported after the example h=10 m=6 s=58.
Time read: h=12 m=23 s=18
